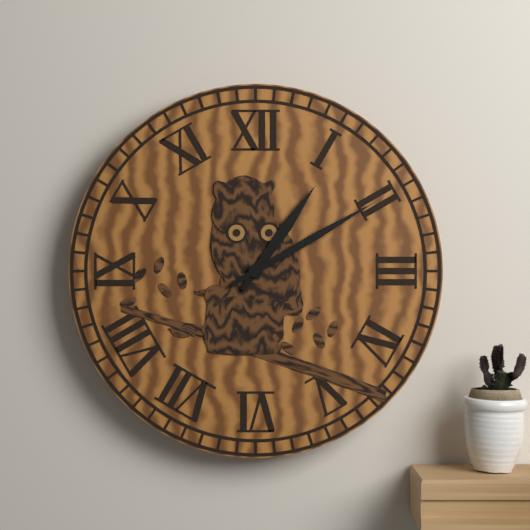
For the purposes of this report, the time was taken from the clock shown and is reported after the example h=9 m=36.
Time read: h=1 m=10
